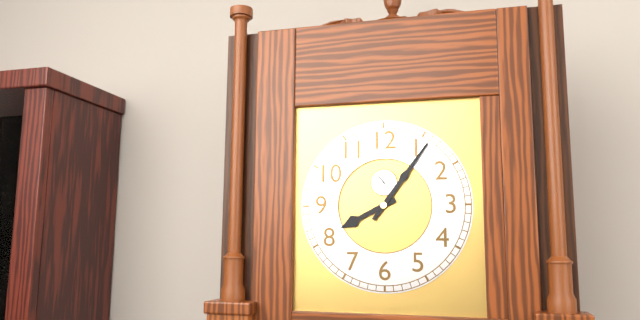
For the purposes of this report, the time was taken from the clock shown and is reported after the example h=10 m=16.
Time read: h=8 m=6
